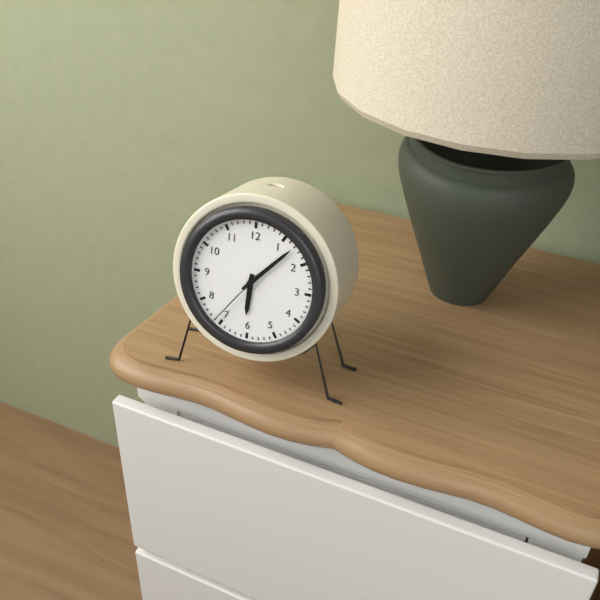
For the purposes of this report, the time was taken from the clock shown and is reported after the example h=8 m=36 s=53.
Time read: h=6 m=7 s=36
